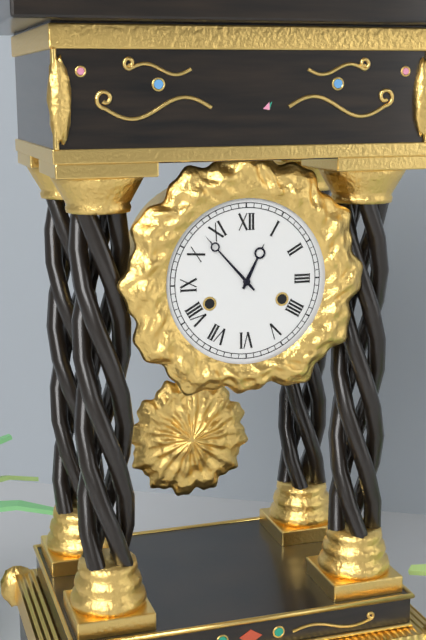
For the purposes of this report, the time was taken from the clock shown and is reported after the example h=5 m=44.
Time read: h=12 m=53
